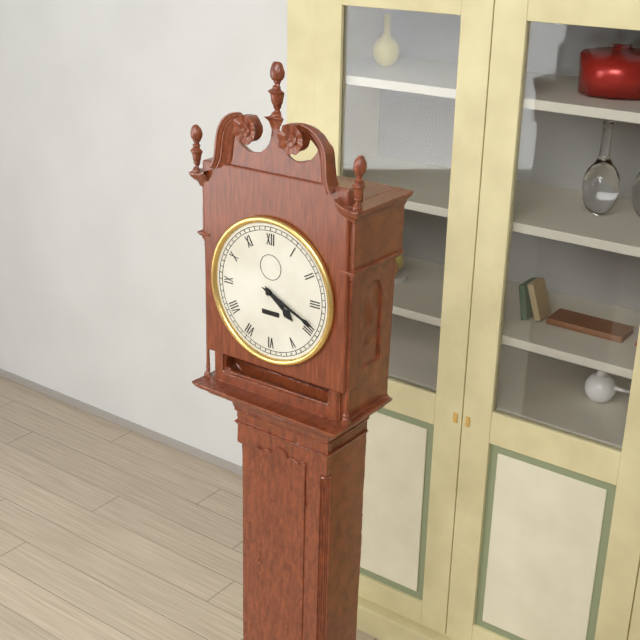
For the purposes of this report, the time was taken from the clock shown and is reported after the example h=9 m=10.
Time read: h=4 m=19
